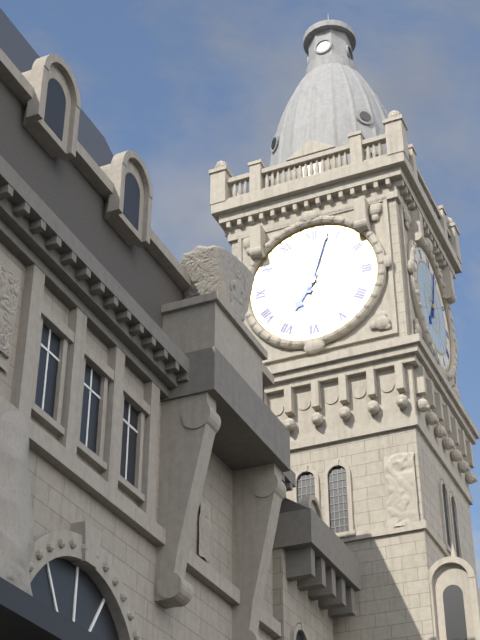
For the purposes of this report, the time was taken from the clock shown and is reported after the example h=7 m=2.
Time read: h=7 m=3
